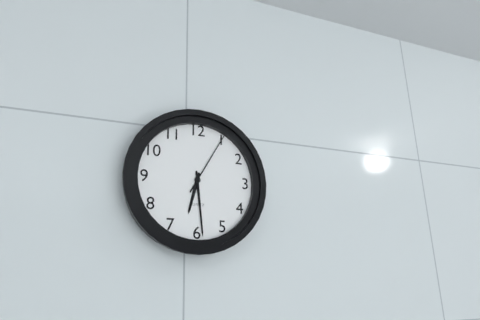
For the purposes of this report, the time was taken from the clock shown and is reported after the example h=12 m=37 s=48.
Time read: h=6 m=29 s=5
